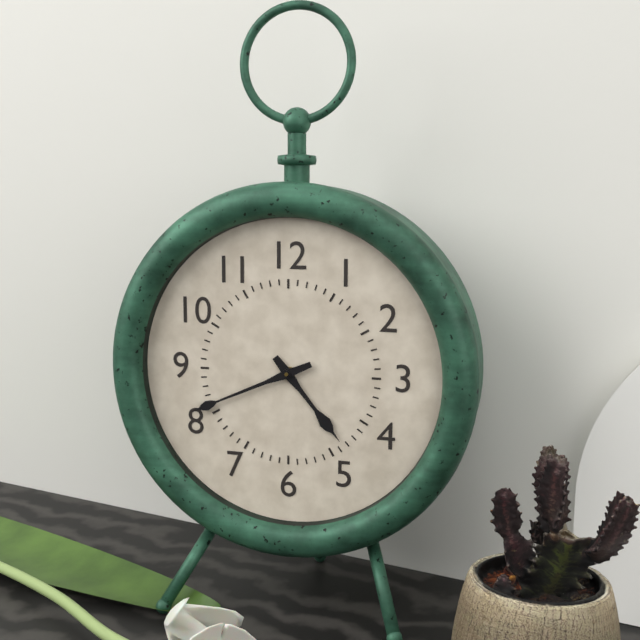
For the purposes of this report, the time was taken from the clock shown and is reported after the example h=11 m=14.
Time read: h=4 m=41
